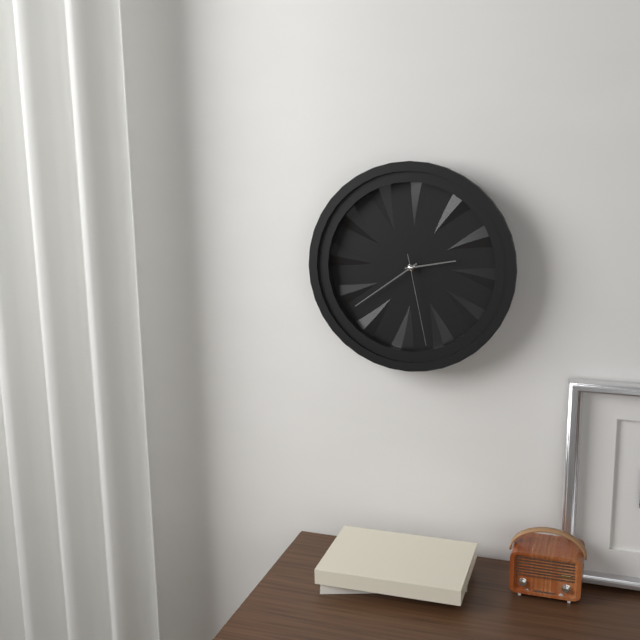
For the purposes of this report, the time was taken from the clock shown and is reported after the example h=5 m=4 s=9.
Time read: h=2 m=39 s=28
